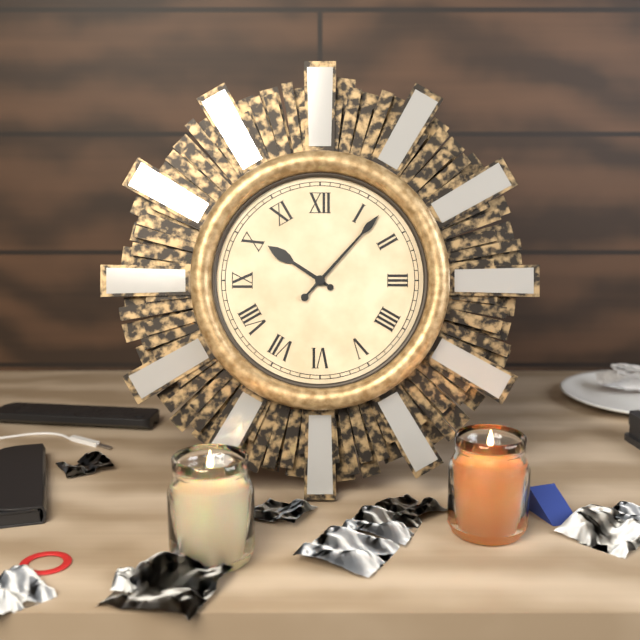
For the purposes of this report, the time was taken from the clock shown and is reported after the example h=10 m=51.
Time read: h=10 m=7
